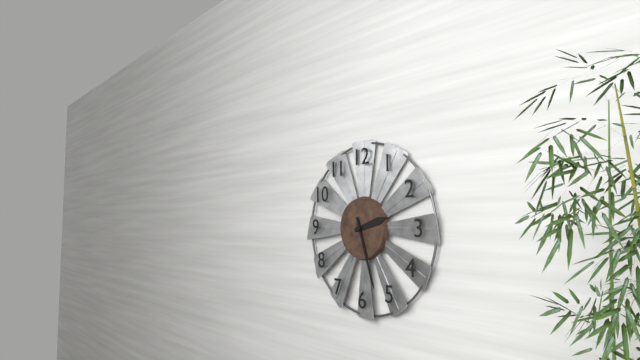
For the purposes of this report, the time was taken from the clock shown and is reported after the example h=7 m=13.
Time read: h=2 m=27
